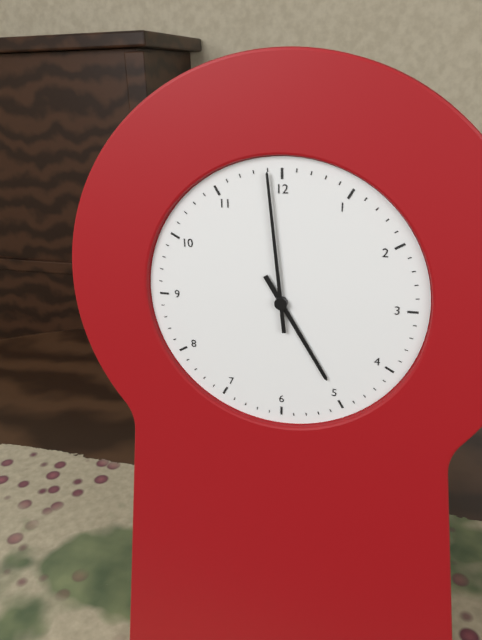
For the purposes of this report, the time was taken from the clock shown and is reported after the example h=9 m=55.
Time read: h=4 m=59
